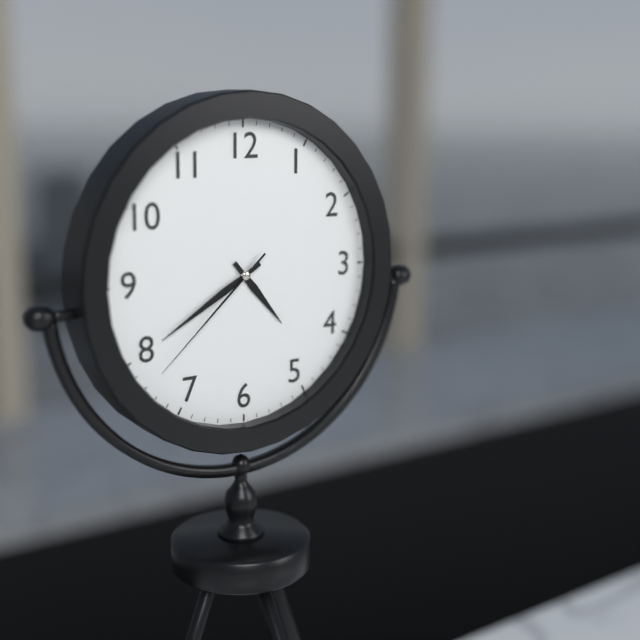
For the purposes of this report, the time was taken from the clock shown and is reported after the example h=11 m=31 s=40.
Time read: h=4 m=40 s=38
